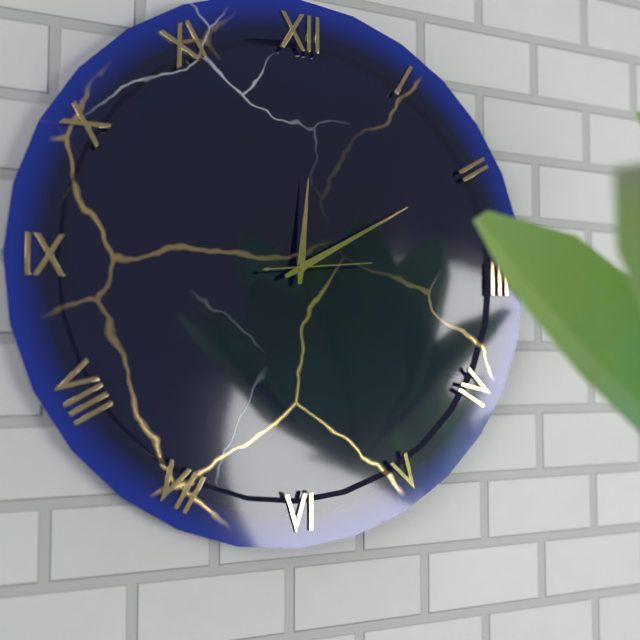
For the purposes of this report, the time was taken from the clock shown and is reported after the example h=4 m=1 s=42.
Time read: h=12 m=10 s=14
